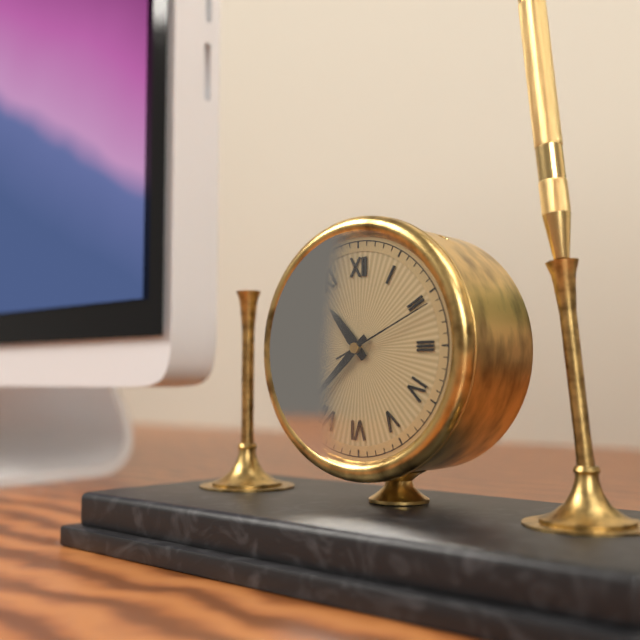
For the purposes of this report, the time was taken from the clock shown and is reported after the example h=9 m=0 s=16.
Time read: h=10 m=38 s=11
